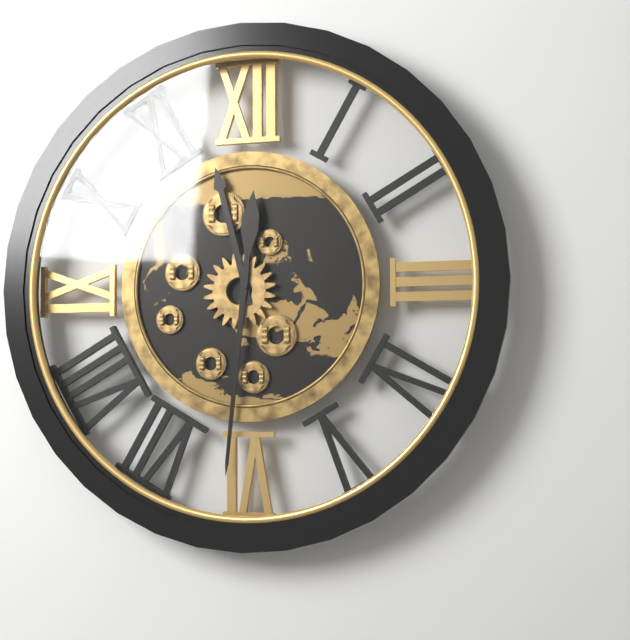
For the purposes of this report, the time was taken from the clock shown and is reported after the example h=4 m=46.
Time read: h=11 m=31
